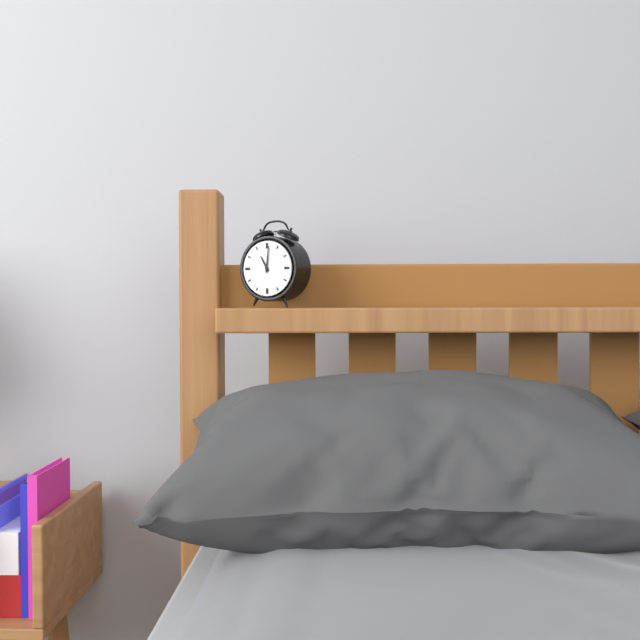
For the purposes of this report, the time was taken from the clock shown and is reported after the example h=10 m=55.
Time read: h=11 m=1
